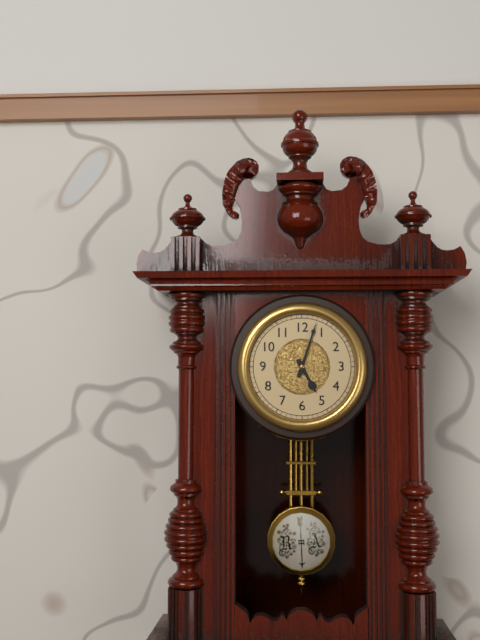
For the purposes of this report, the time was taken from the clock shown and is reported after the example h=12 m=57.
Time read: h=5 m=3
